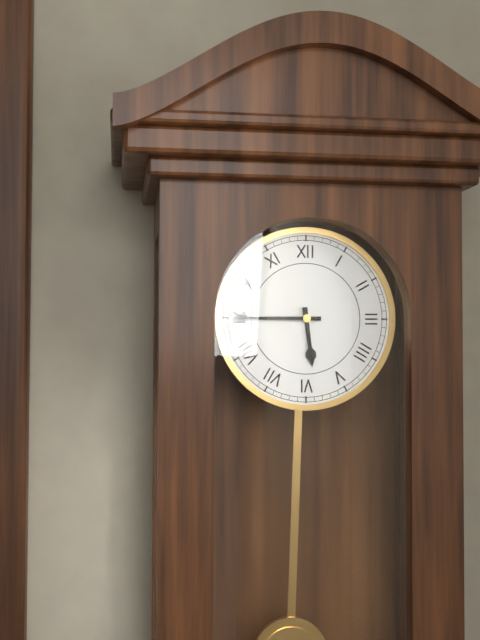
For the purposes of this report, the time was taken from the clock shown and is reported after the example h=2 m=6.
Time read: h=5 m=45
